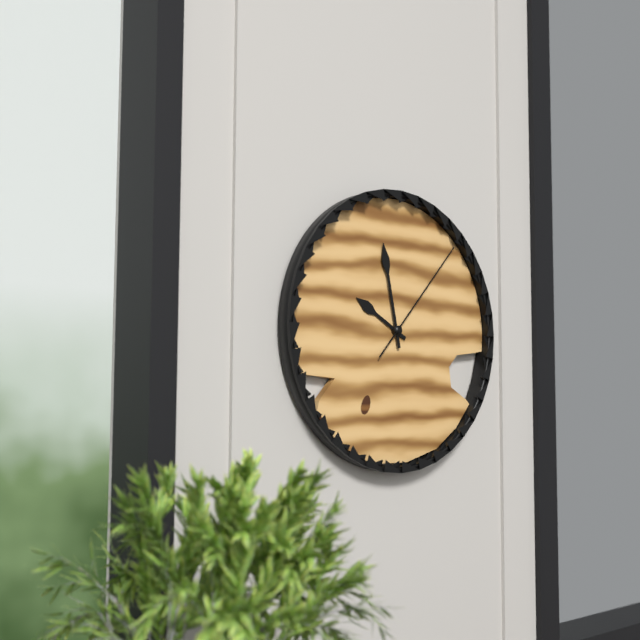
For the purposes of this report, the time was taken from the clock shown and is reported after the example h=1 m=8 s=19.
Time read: h=9 m=58 s=7
